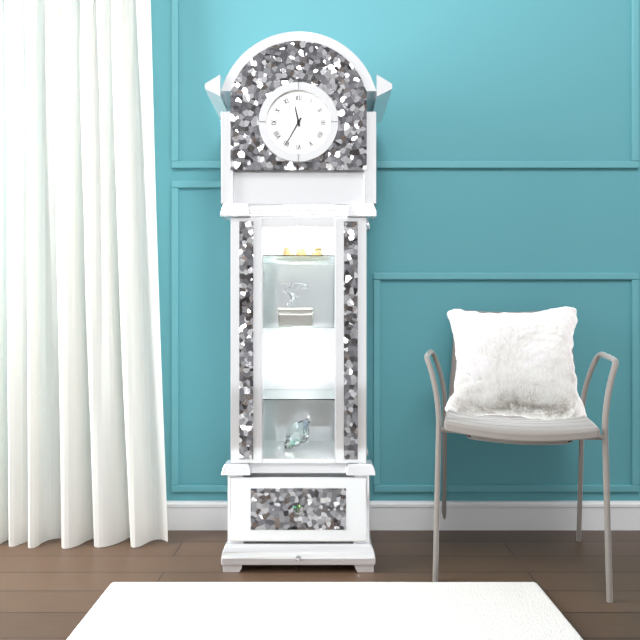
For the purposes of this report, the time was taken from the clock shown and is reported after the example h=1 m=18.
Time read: h=11 m=35
